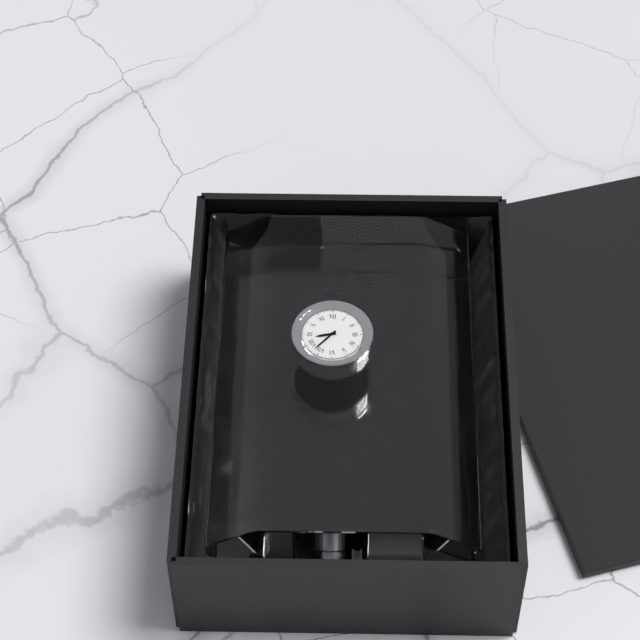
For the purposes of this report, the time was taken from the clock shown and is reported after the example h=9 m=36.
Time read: h=8 m=37
